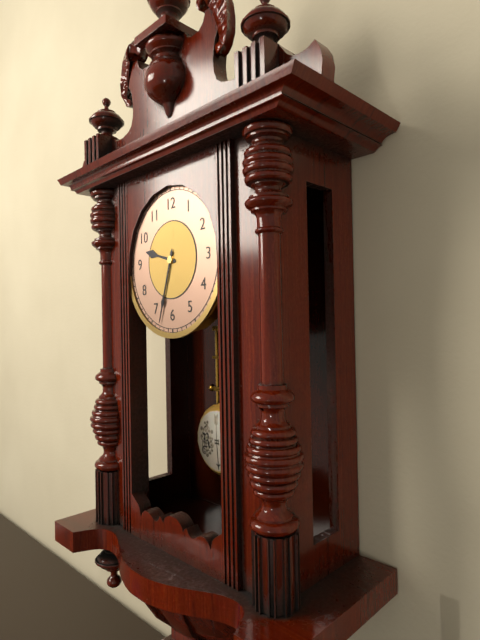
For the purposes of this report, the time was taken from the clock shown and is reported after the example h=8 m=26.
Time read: h=9 m=33
